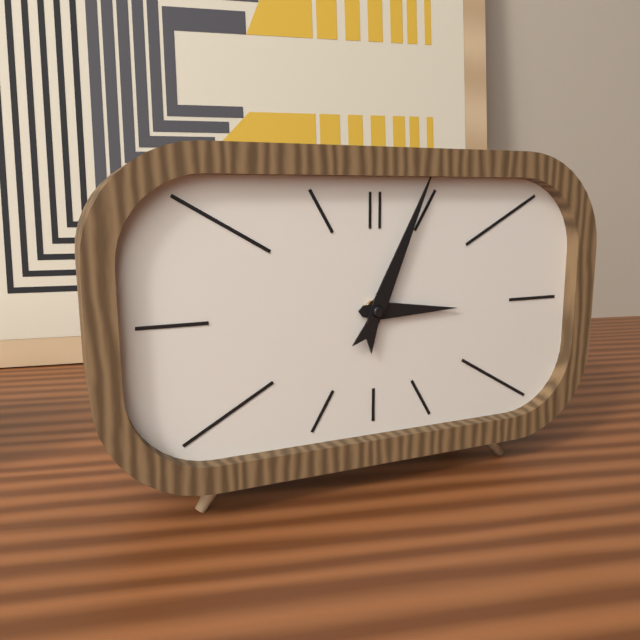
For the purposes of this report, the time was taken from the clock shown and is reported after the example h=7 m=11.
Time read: h=3 m=4
